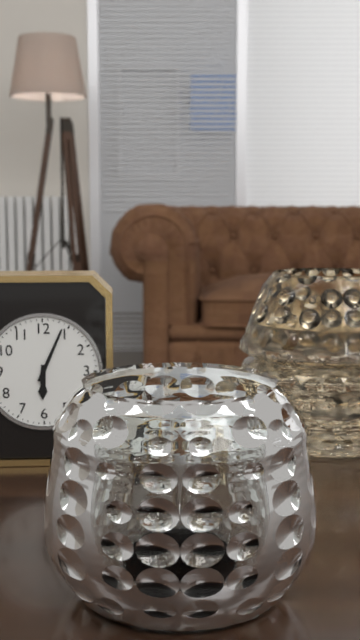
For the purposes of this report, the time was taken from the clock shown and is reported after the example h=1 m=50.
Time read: h=6 m=4
